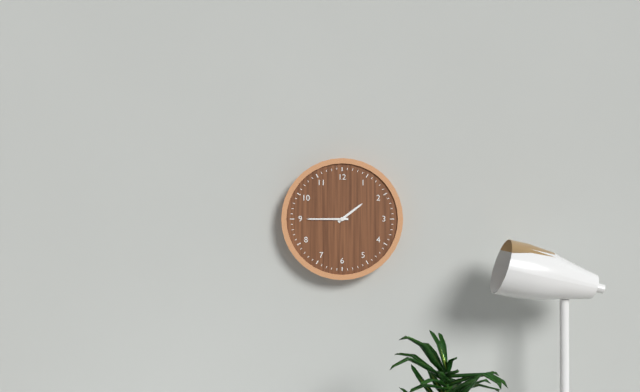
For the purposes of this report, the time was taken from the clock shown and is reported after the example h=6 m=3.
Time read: h=1 m=45
